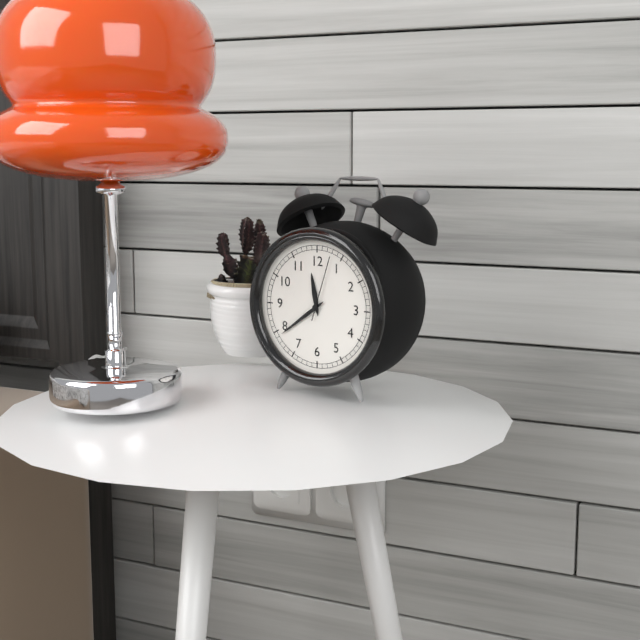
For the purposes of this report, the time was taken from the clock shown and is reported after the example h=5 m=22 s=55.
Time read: h=11 m=39 s=3
